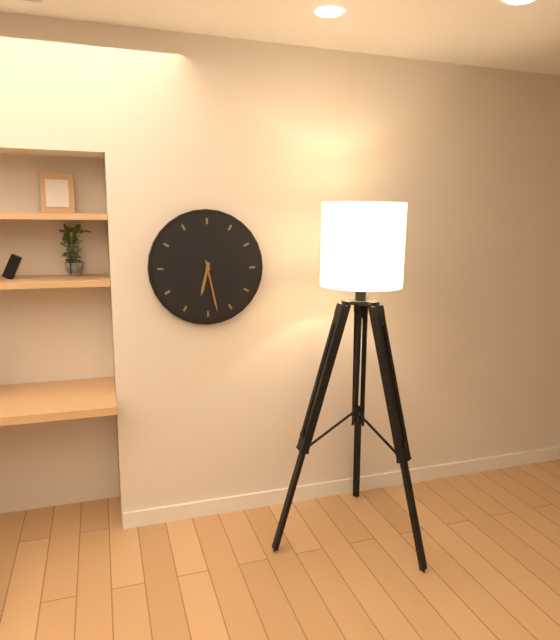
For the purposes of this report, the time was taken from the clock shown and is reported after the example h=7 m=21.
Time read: h=6 m=28
